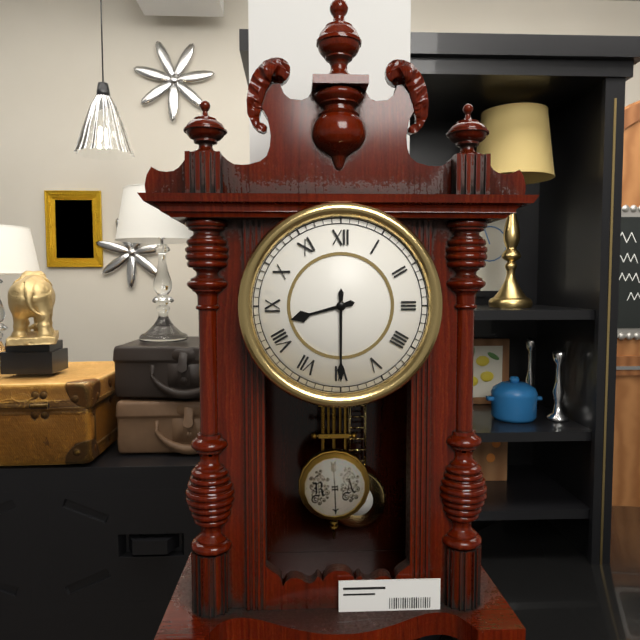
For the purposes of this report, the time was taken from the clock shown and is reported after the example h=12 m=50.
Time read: h=8 m=30
